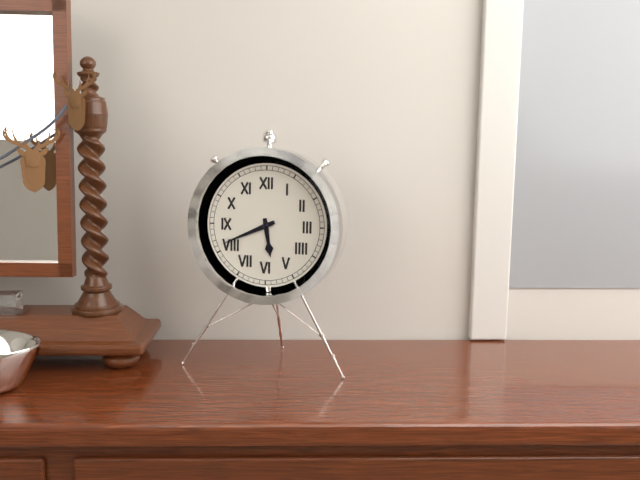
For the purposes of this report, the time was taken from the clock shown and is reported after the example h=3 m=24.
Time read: h=5 m=41
